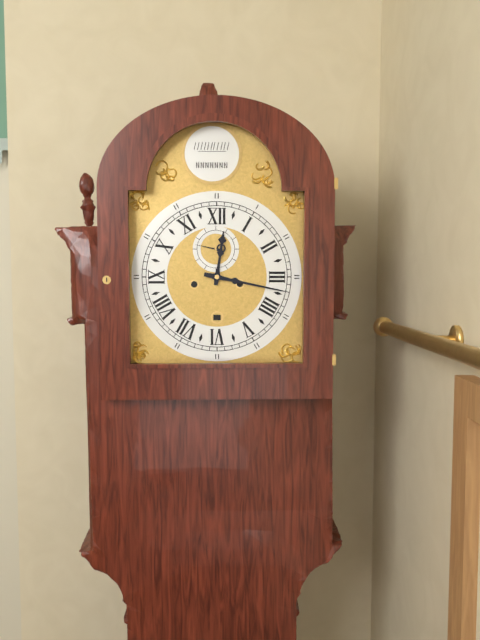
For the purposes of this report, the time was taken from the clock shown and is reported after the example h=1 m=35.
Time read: h=12 m=17
